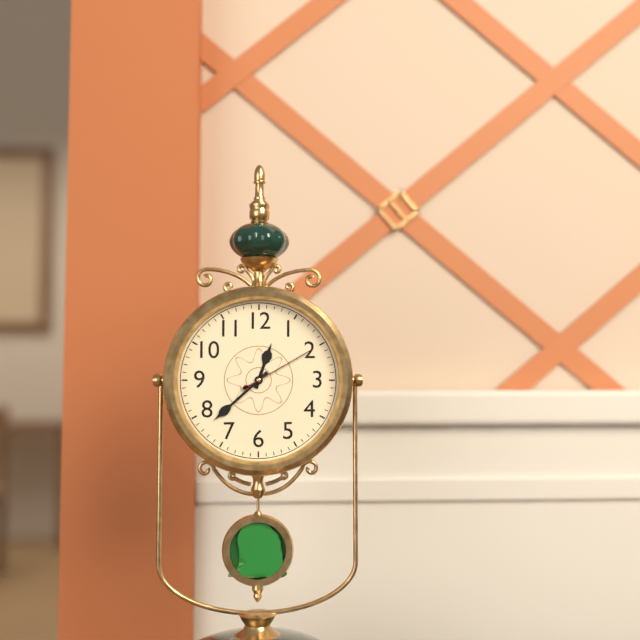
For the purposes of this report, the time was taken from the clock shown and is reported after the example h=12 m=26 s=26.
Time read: h=12 m=38 s=10
